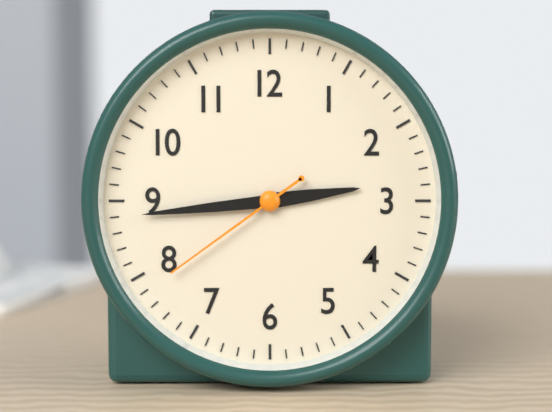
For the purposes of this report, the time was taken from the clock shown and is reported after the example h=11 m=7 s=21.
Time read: h=2 m=44 s=39
